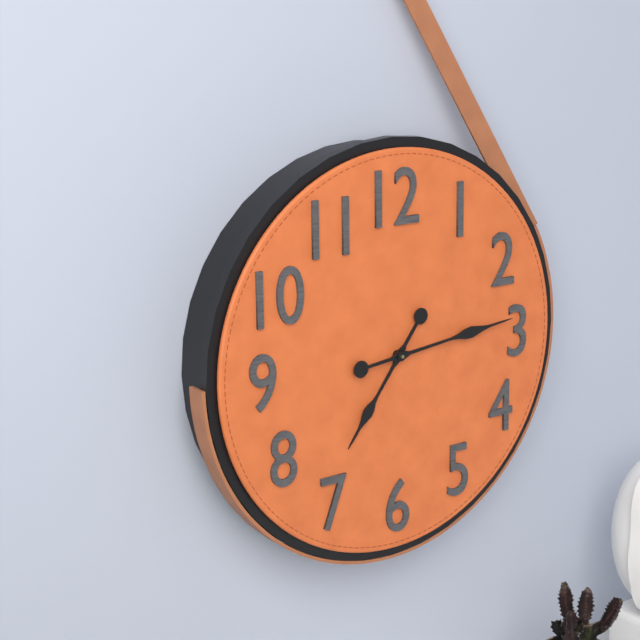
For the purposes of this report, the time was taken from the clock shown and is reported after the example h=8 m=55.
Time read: h=7 m=14
